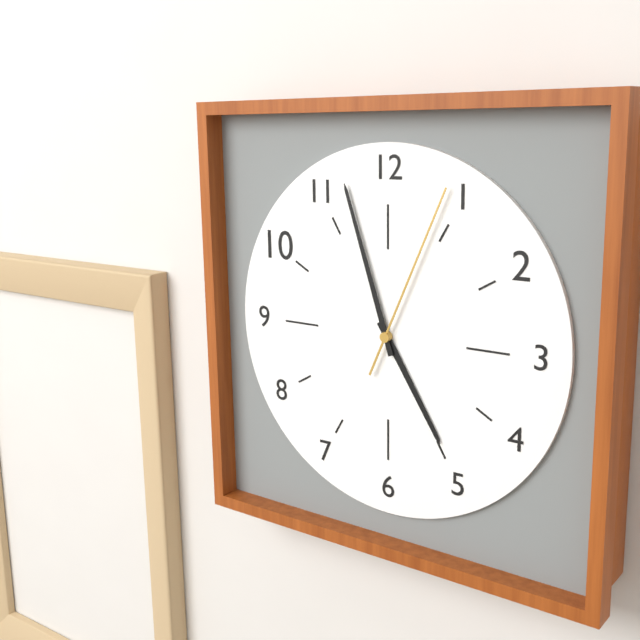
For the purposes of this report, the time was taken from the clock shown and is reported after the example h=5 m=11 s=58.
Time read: h=4 m=57 s=4
